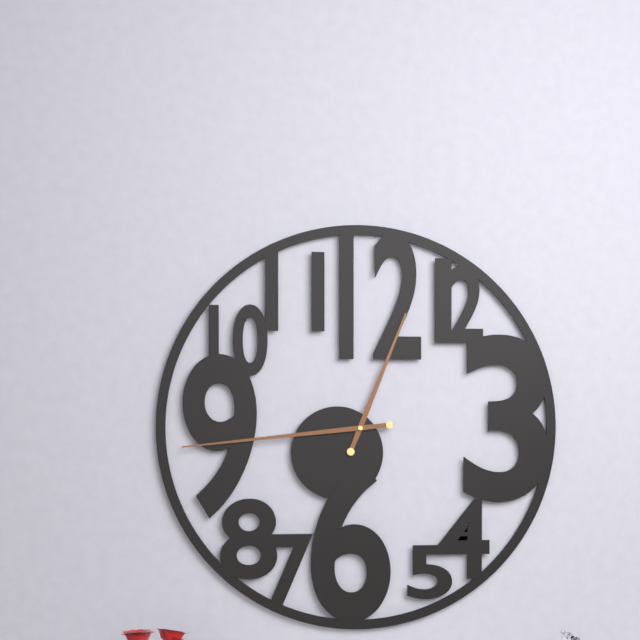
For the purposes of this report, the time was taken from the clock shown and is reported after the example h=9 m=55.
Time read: h=12 m=44
